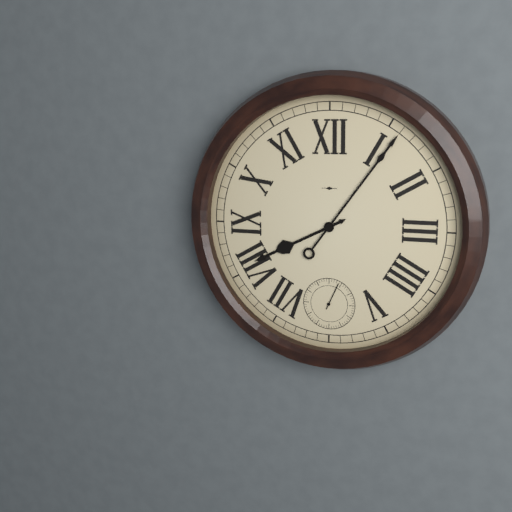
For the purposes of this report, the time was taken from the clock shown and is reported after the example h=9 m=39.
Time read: h=8 m=6
